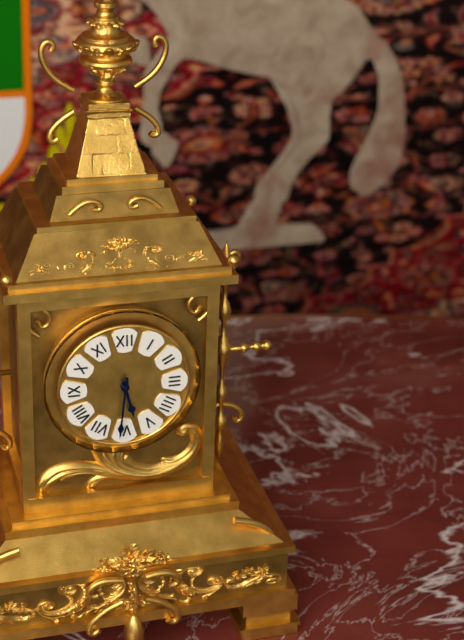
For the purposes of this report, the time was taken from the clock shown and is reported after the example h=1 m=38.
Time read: h=5 m=31
